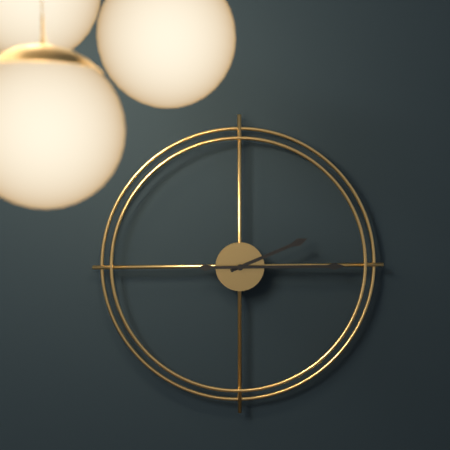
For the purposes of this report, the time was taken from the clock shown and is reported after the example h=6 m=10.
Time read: h=2 m=15
